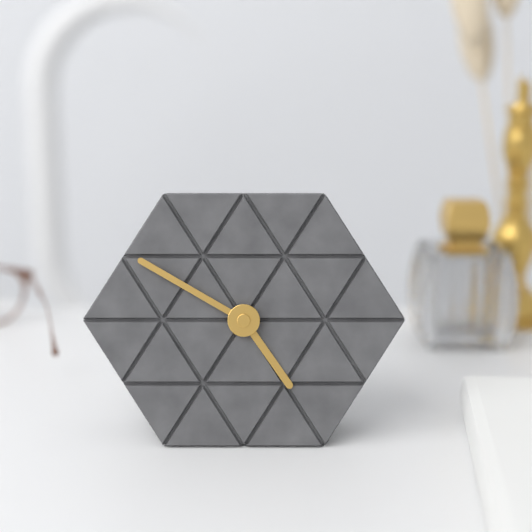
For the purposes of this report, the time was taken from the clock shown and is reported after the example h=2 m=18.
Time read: h=4 m=50
